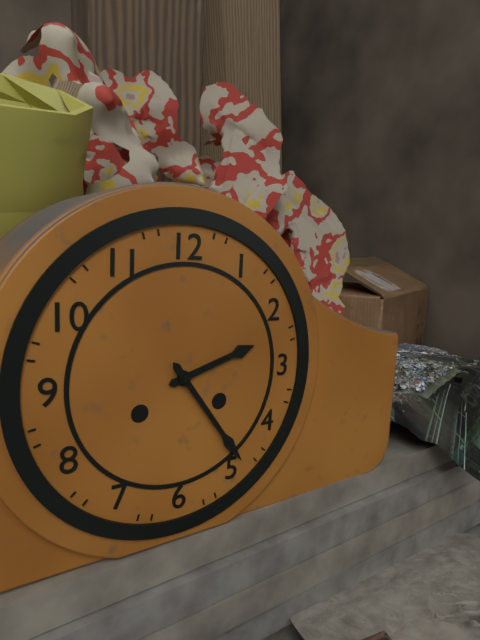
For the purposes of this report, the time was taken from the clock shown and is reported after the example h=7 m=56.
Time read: h=2 m=24
